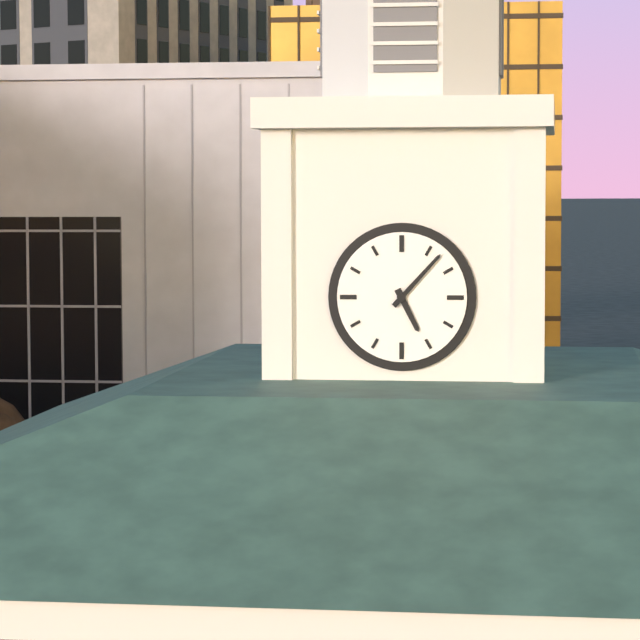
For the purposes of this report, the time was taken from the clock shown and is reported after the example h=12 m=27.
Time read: h=5 m=7
